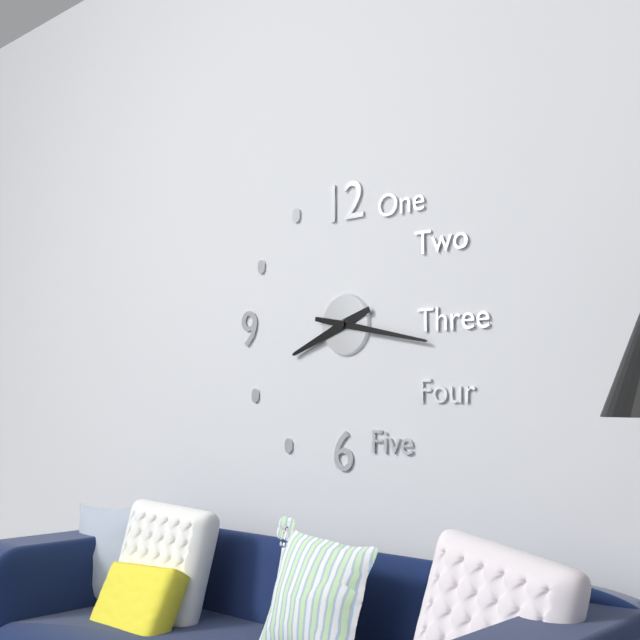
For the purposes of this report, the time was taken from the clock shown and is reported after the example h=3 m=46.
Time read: h=8 m=17
